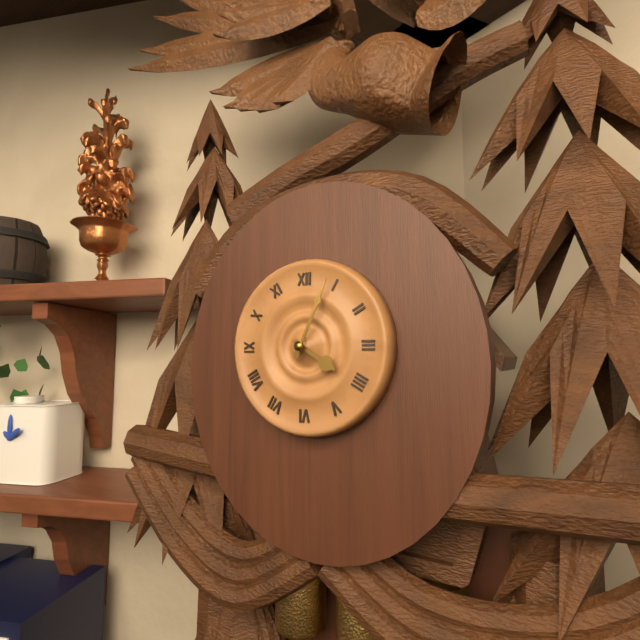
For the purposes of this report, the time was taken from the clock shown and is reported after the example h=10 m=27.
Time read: h=4 m=4
